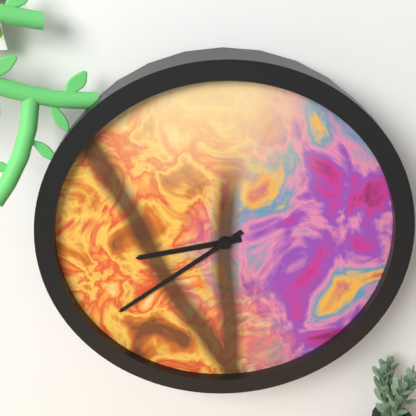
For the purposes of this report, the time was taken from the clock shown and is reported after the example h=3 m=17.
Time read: h=8 m=39
